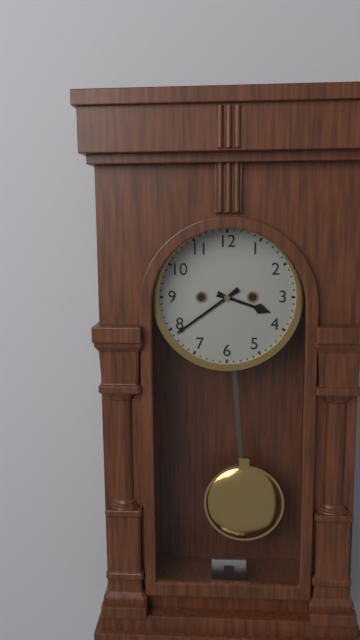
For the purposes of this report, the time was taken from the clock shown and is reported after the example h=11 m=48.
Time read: h=3 m=39
